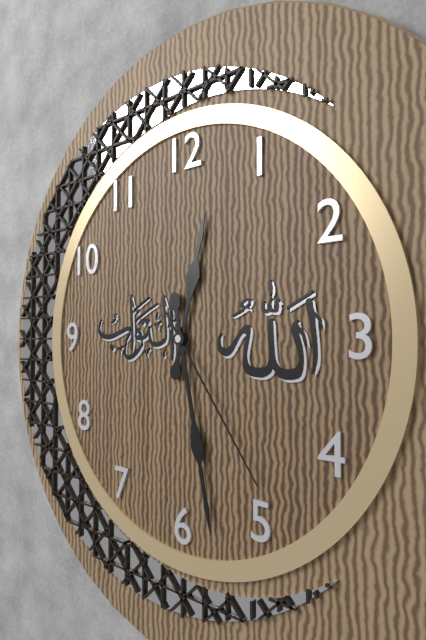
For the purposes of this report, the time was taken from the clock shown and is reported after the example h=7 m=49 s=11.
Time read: h=12 m=28 s=24
